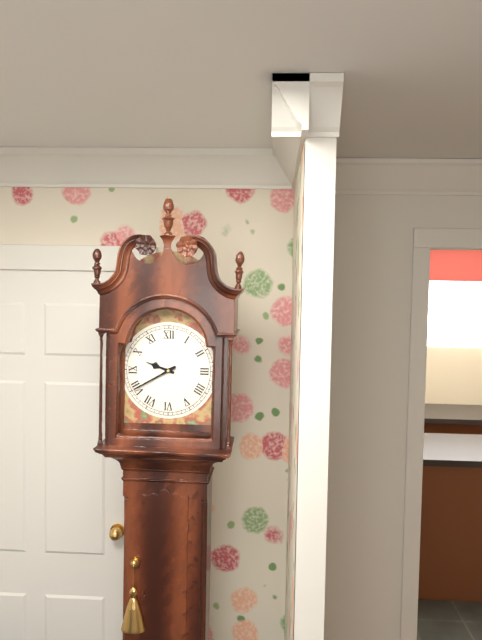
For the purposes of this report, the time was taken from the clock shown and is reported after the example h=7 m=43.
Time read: h=9 m=40
